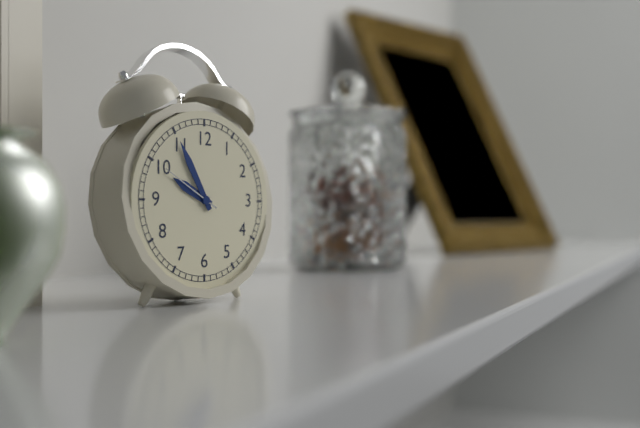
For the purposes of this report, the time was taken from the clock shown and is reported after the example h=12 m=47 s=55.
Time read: h=9 m=55 s=50
